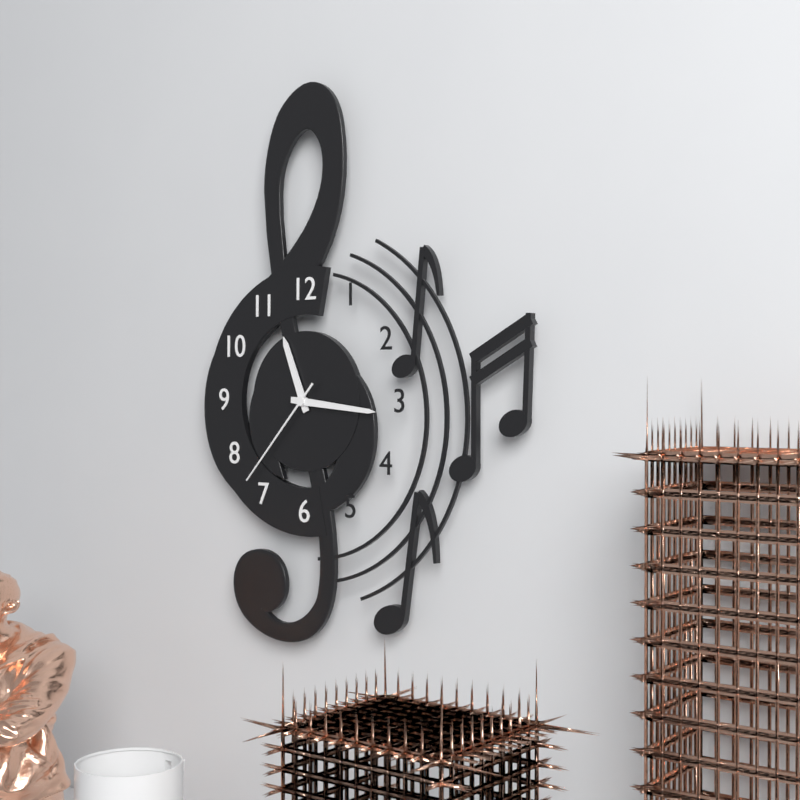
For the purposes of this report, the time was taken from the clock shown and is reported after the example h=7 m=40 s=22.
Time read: h=11 m=16 s=37
